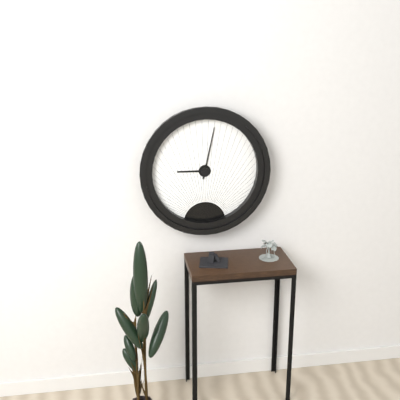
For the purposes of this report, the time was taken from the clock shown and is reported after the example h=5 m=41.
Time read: h=9 m=2
